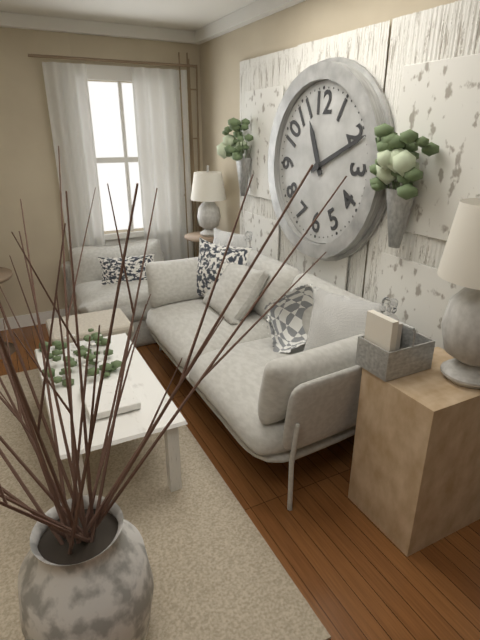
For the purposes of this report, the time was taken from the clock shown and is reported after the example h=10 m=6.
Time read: h=11 m=11
